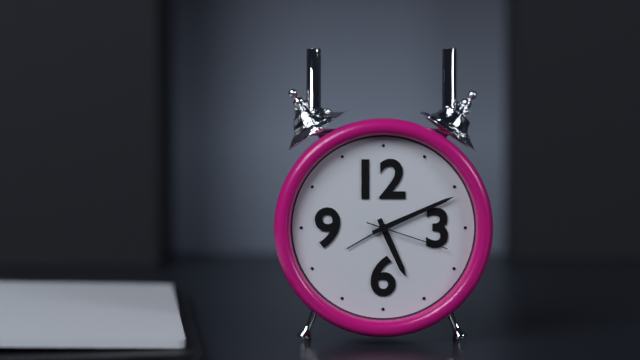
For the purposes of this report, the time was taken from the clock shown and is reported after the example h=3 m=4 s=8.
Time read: h=5 m=11 s=18
